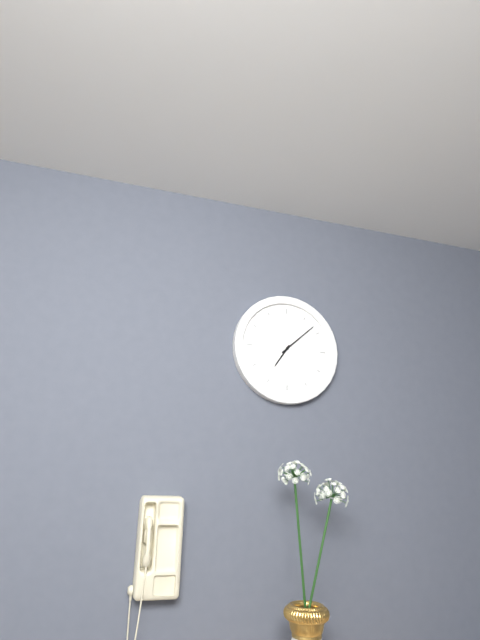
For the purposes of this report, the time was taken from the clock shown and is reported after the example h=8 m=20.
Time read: h=7 m=8
